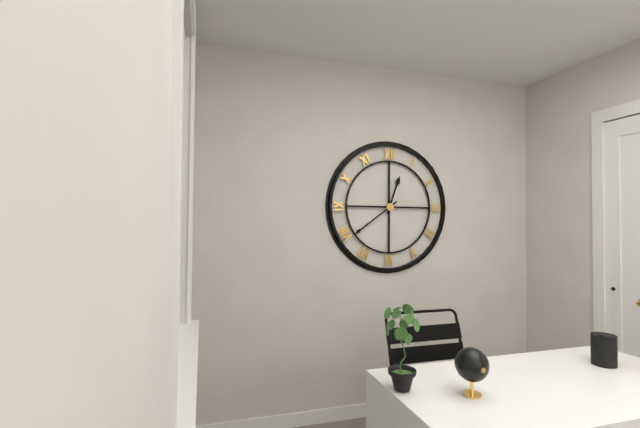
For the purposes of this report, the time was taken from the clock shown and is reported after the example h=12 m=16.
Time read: h=12 m=39
